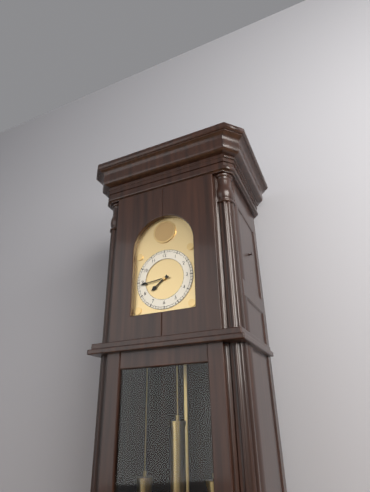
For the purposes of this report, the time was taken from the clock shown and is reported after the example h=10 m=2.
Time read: h=7 m=44
